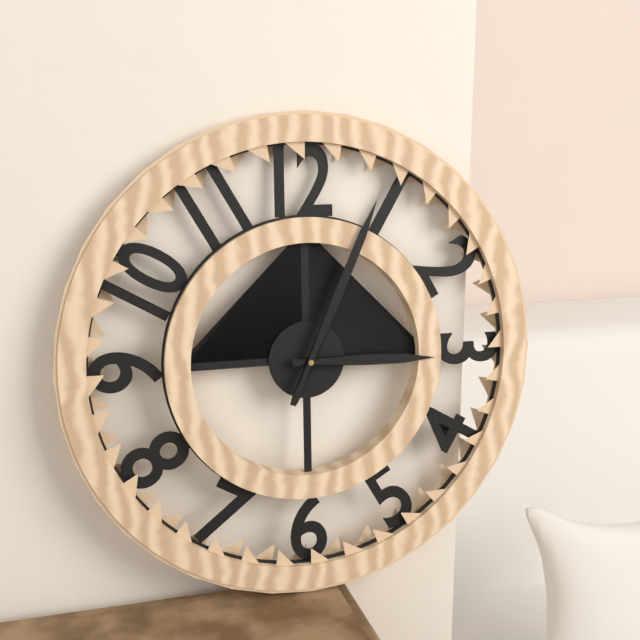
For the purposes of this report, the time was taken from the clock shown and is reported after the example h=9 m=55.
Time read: h=3 m=4
